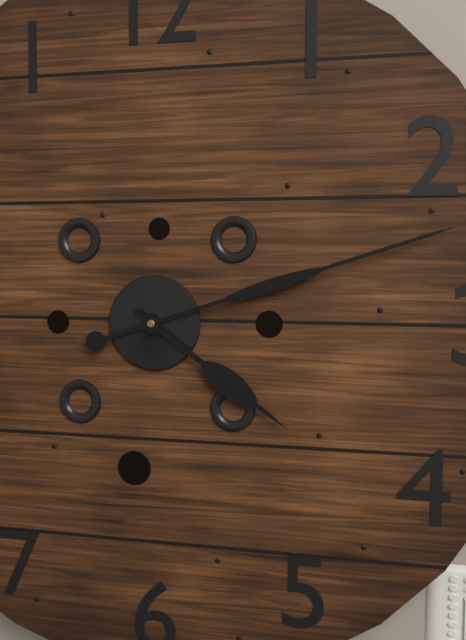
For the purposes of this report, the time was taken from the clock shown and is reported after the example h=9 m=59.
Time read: h=4 m=12
